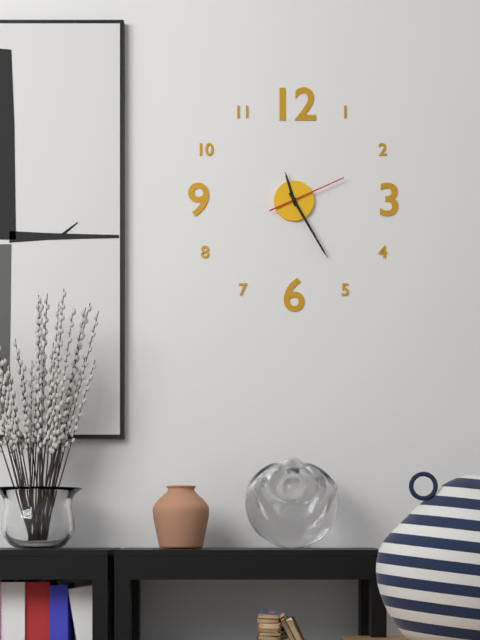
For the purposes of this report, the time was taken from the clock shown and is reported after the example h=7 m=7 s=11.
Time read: h=11 m=25 s=11
